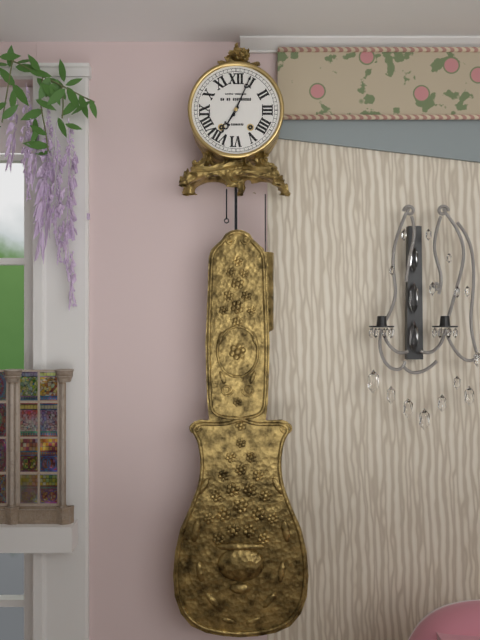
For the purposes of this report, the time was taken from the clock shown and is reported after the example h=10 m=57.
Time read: h=7 m=4
